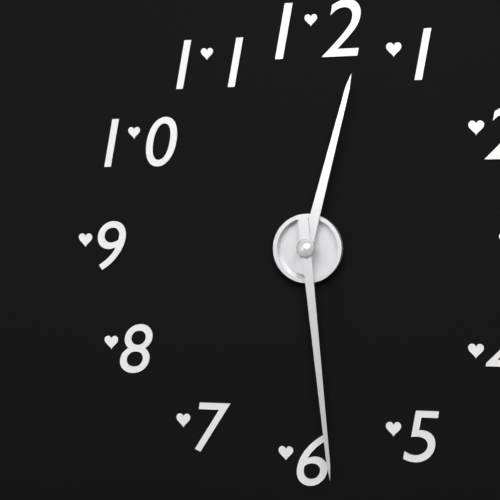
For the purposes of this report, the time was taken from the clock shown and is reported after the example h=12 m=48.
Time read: h=12 m=29
